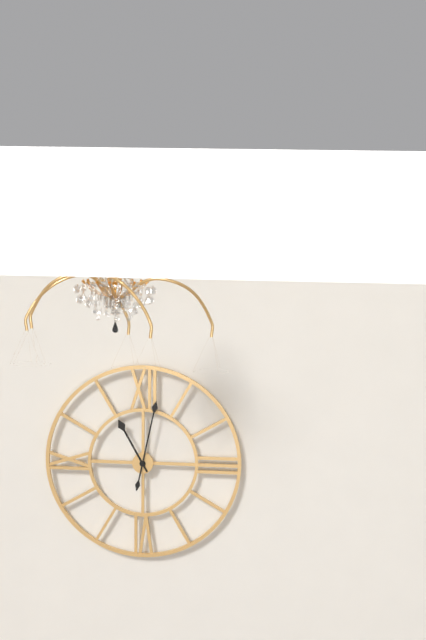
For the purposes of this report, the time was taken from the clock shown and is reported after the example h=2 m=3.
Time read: h=11 m=2
